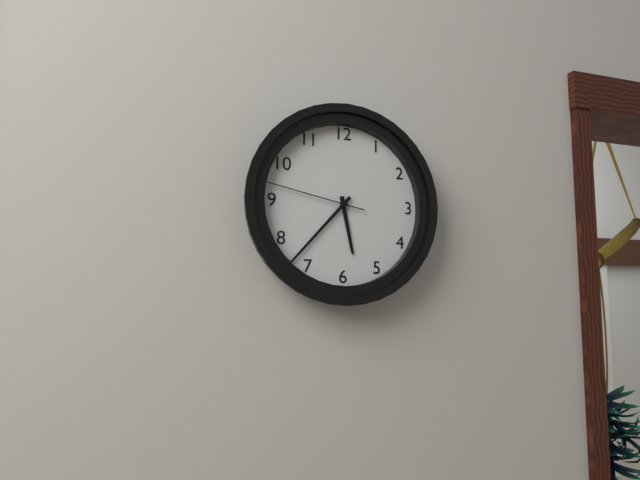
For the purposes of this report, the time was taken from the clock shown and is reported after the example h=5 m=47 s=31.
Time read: h=5 m=37 s=47
